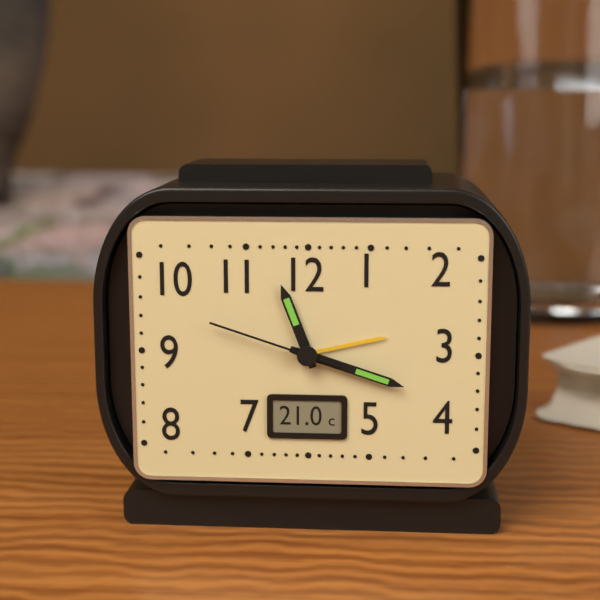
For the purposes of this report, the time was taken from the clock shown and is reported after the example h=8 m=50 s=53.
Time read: h=11 m=18 s=48
